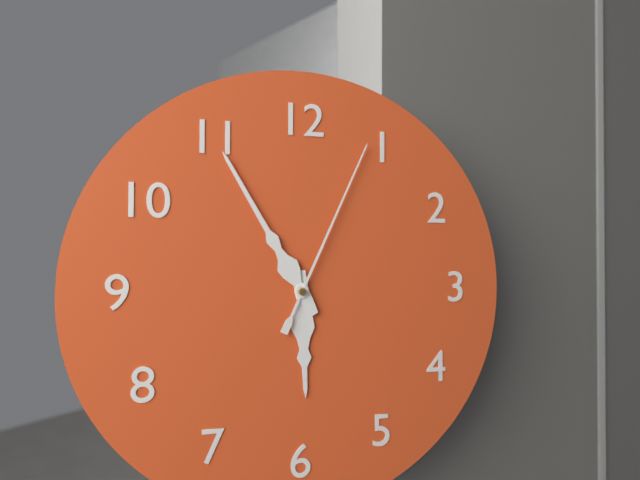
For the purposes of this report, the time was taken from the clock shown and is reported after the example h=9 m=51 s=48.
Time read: h=5 m=55 s=4
